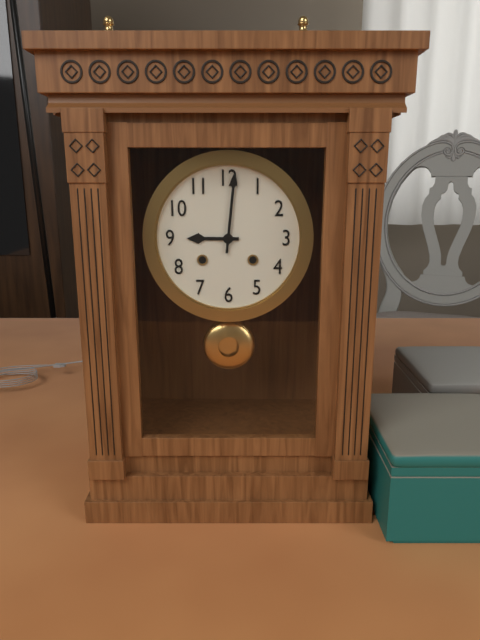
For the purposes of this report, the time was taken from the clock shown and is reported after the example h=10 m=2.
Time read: h=9 m=1
